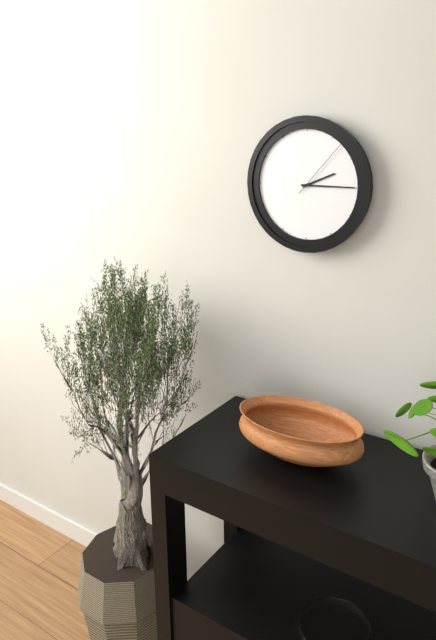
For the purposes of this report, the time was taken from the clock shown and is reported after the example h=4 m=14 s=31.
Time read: h=2 m=15 s=7
